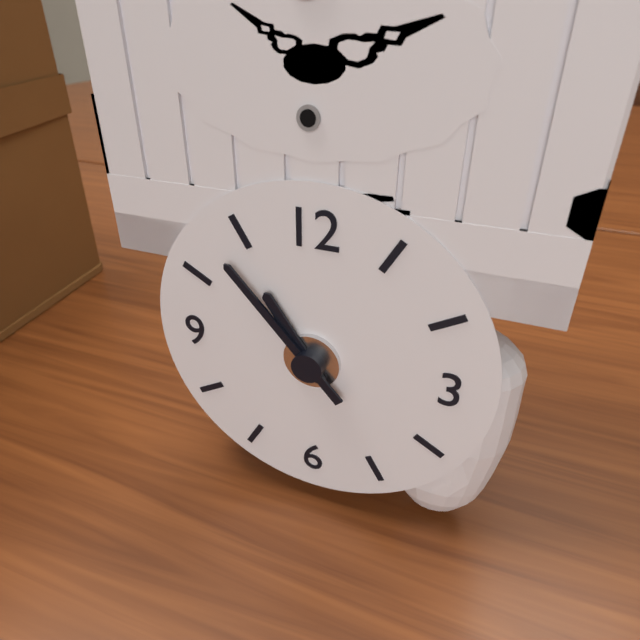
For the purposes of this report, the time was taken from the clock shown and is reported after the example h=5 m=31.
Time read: h=10 m=53
